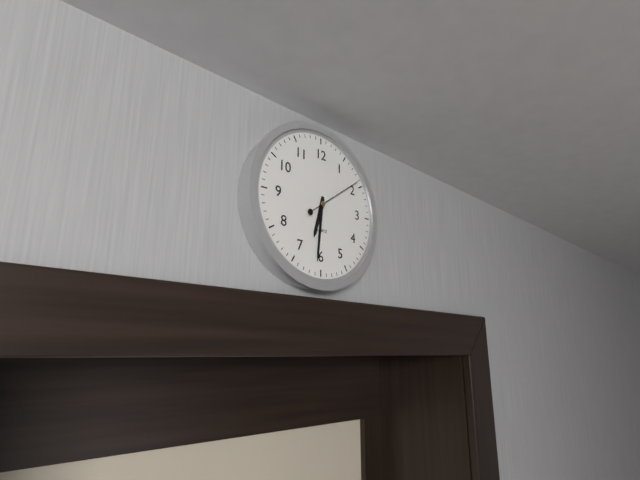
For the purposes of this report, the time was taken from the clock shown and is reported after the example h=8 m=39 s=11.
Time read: h=6 m=31 s=9
